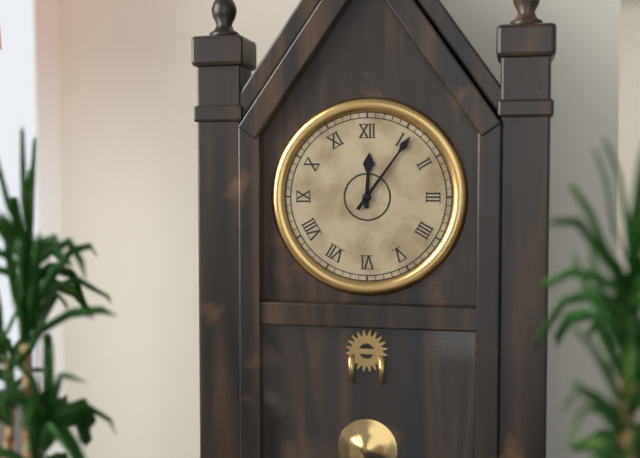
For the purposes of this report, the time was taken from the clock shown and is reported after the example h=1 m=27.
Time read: h=12 m=6
